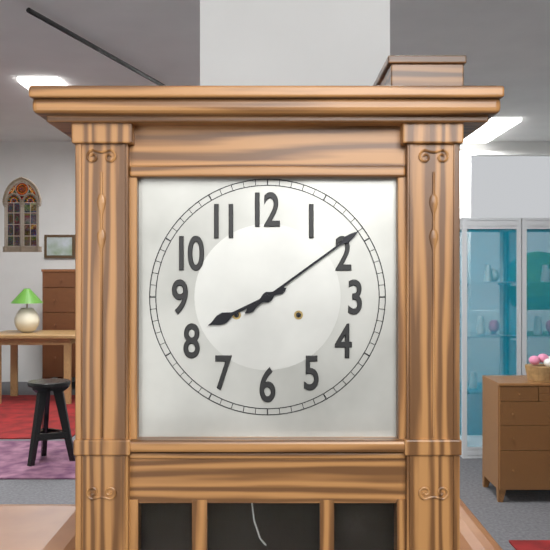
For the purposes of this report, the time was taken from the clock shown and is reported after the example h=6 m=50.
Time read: h=8 m=9
